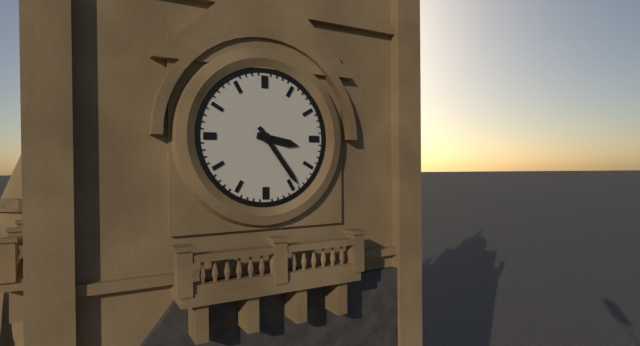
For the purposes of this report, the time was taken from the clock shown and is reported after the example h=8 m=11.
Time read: h=3 m=24
